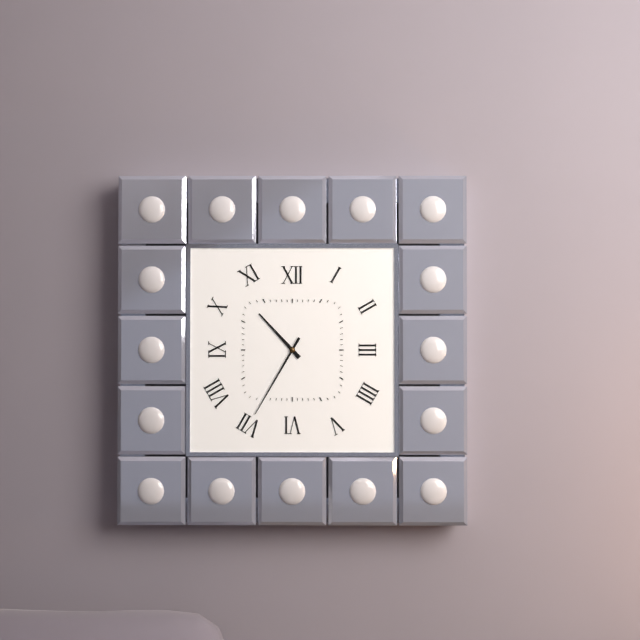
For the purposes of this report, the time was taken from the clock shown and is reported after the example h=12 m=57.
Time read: h=10 m=35
